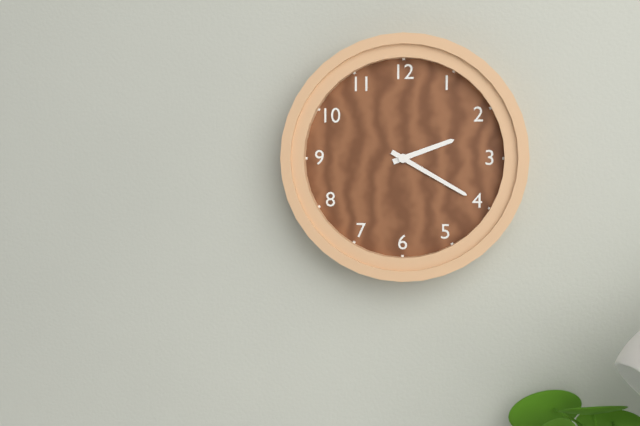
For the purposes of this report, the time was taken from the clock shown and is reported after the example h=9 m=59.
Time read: h=2 m=20
